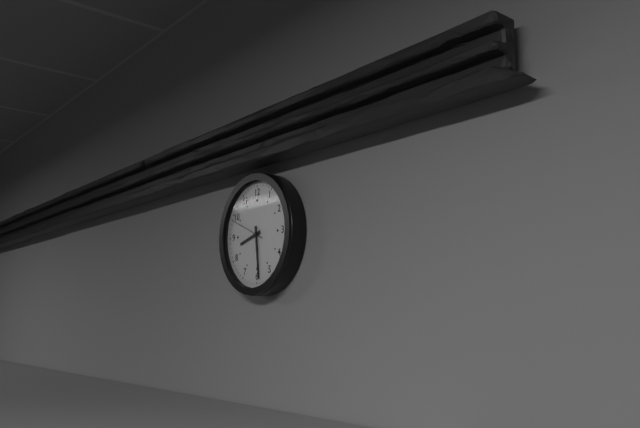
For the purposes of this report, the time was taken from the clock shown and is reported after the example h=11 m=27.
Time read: h=8 m=29
